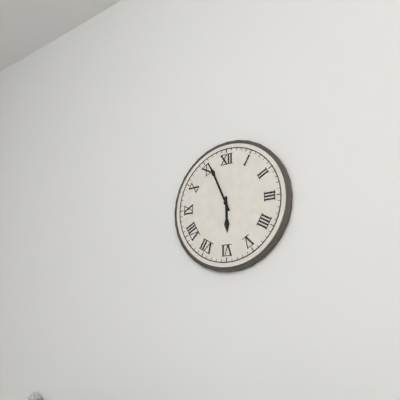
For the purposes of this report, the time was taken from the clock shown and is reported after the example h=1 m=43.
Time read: h=5 m=56
